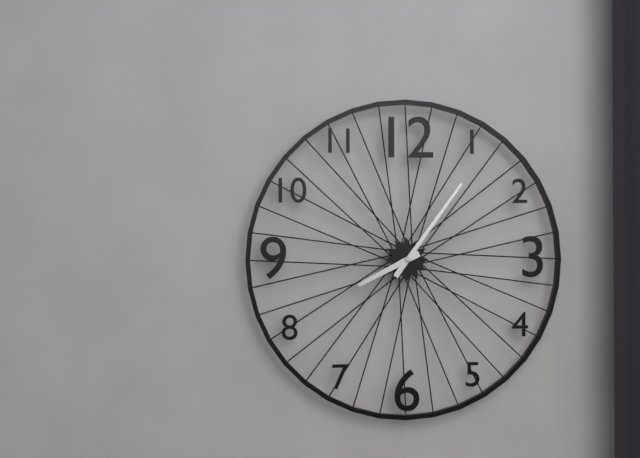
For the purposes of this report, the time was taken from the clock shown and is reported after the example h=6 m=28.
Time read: h=8 m=6
